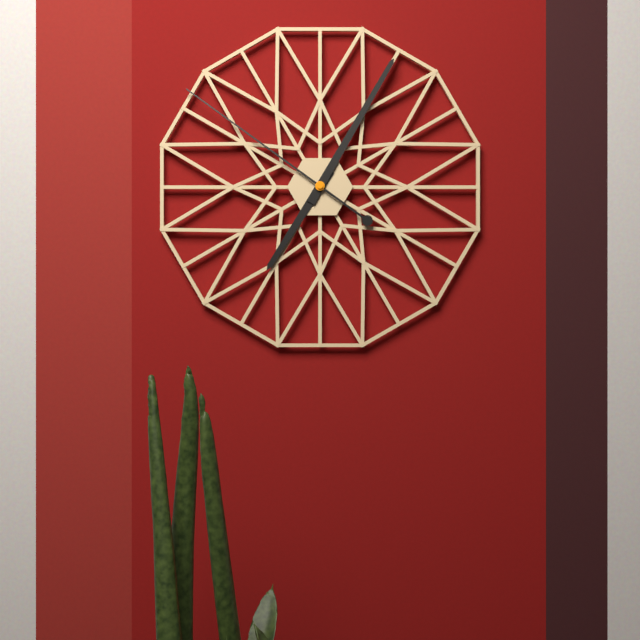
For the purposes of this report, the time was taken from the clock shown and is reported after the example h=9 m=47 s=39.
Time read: h=7 m=5 s=51
